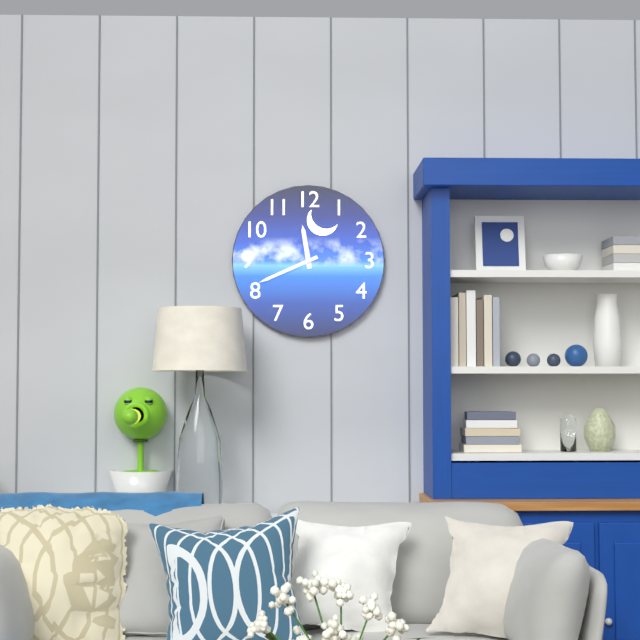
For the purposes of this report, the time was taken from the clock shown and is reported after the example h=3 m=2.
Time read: h=11 m=41
